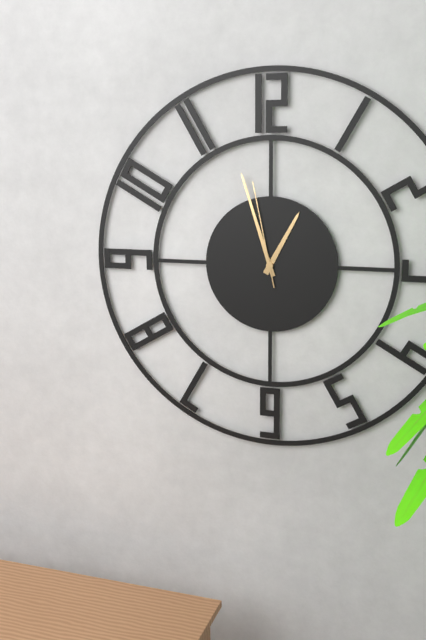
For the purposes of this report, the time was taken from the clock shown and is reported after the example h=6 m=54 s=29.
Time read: h=12 m=57 s=58
